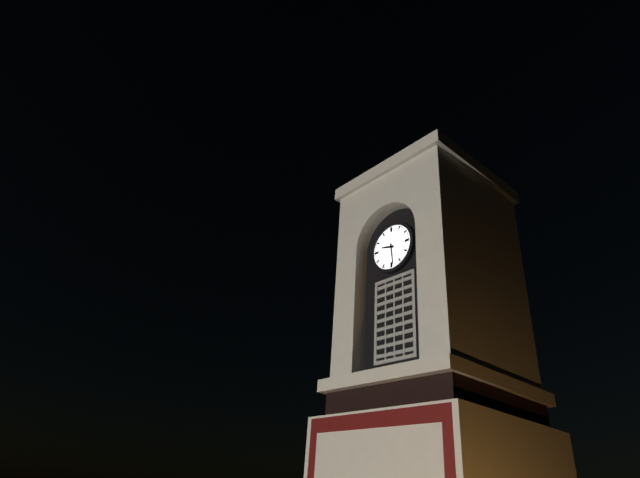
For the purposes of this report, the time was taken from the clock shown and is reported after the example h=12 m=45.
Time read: h=9 m=29
